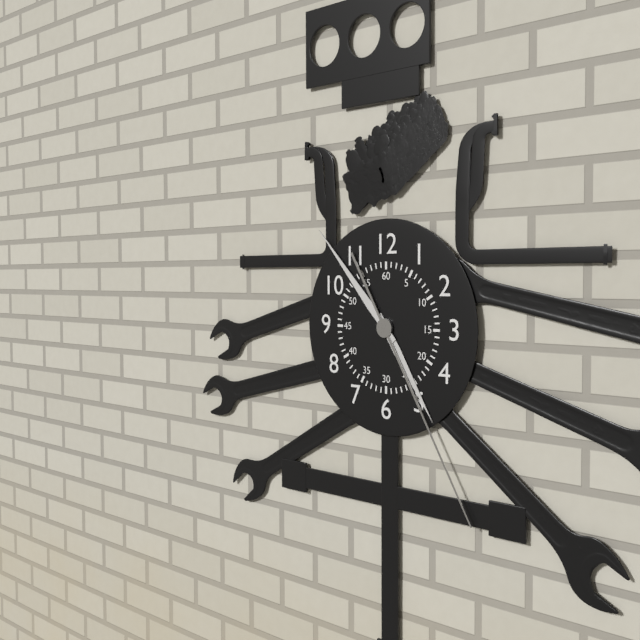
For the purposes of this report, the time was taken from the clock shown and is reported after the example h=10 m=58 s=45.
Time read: h=4 m=53 s=25
